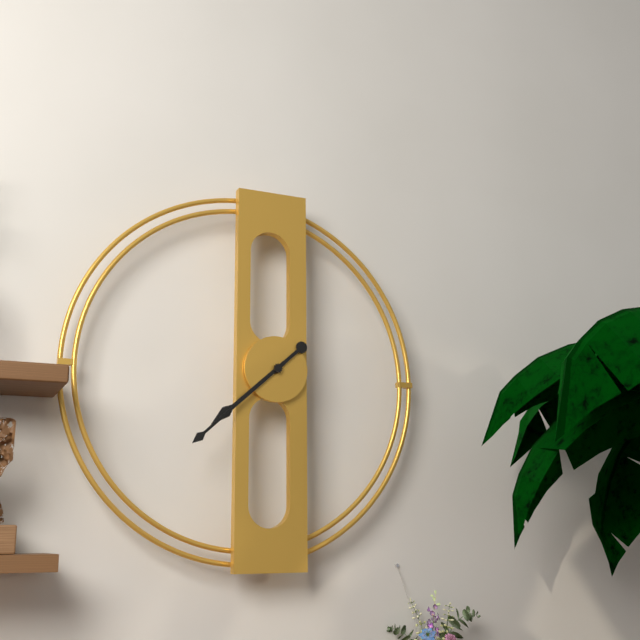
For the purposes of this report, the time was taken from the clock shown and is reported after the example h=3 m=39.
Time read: h=7 m=38
